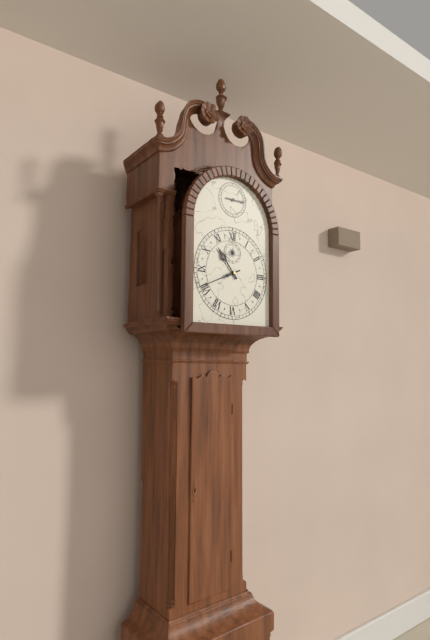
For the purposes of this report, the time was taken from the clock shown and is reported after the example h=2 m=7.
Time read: h=10 m=41
